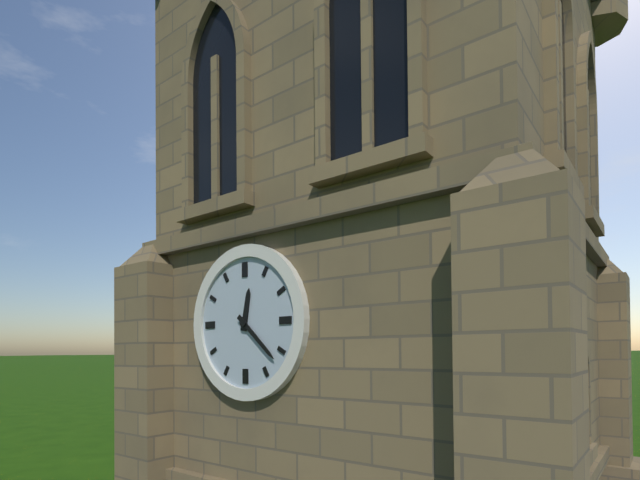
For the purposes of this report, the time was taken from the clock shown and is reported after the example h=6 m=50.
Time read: h=12 m=22
